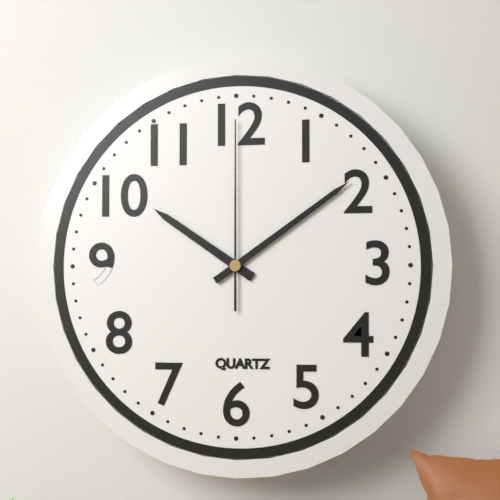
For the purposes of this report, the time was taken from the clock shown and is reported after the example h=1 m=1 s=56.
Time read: h=10 m=9 s=0
